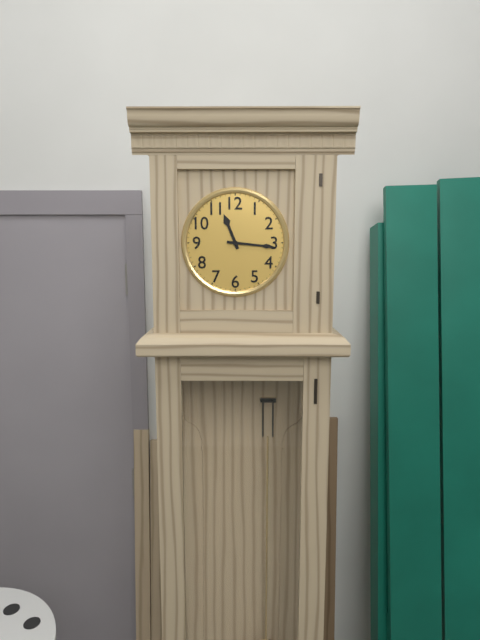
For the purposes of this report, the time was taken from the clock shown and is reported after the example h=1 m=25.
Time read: h=11 m=16
